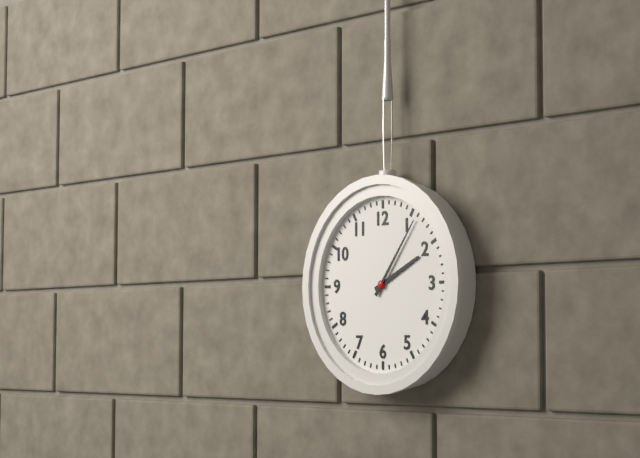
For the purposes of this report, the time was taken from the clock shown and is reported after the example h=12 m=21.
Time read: h=2 m=6
